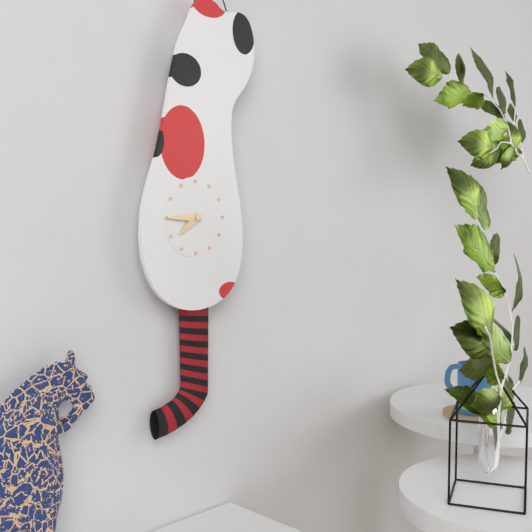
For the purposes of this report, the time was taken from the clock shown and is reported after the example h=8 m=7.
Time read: h=7 m=45
